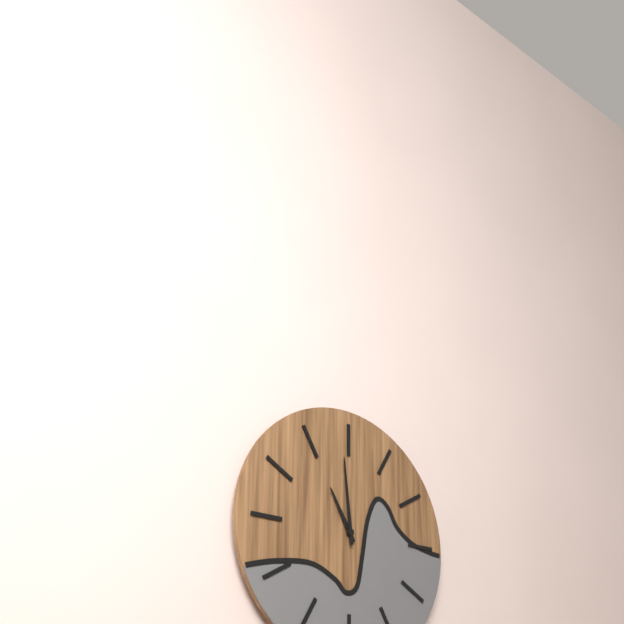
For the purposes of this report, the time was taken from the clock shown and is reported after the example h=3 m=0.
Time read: h=10 m=59
